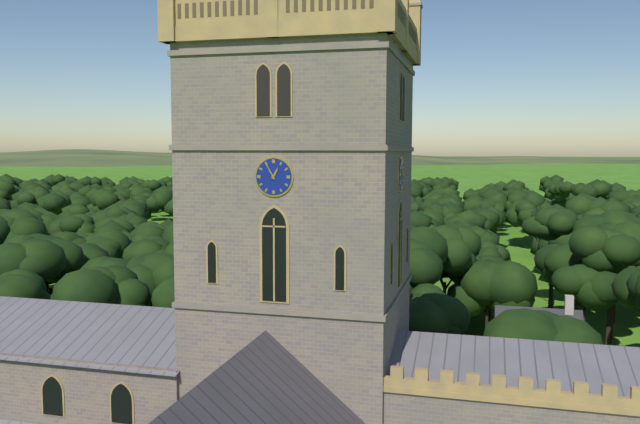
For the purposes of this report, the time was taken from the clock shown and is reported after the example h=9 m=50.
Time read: h=12 m=55
